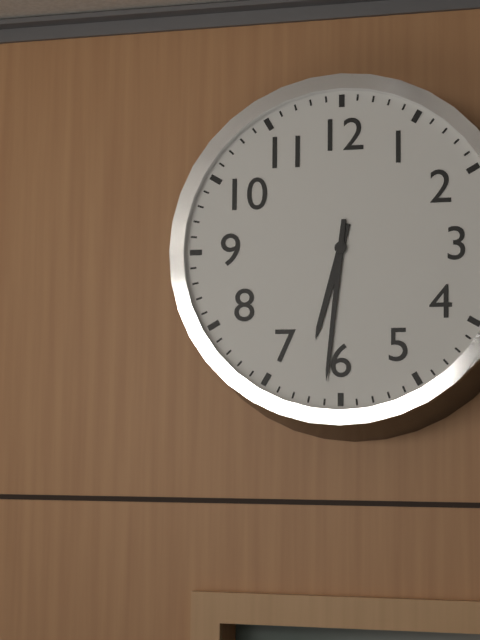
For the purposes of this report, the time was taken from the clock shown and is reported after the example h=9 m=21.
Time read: h=6 m=31
